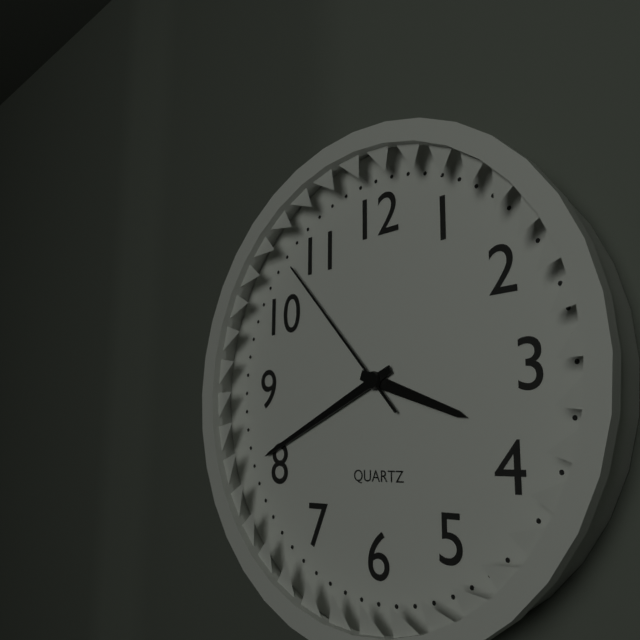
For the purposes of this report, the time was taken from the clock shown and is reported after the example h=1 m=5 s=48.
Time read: h=3 m=41 s=53
